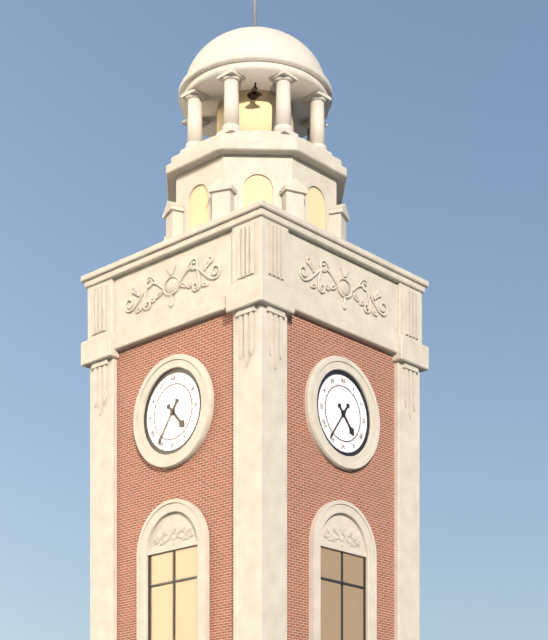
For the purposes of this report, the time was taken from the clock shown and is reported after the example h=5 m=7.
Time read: h=4 m=36
